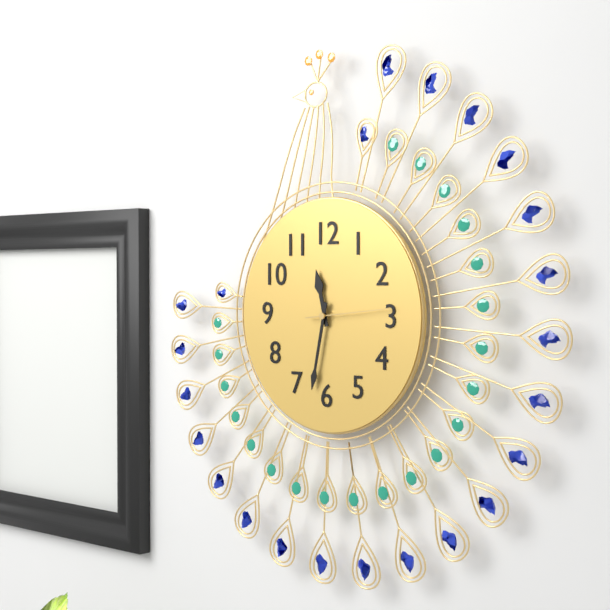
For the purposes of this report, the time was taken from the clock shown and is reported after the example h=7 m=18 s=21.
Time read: h=11 m=32 s=14
